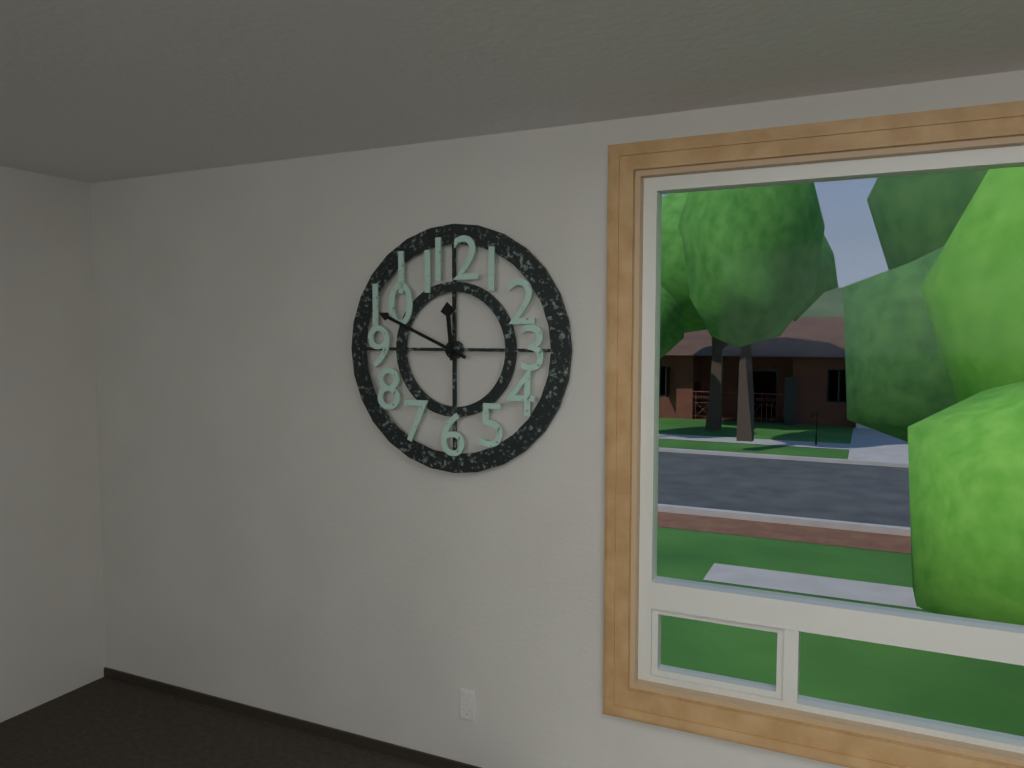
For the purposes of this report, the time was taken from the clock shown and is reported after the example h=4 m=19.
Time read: h=11 m=49
